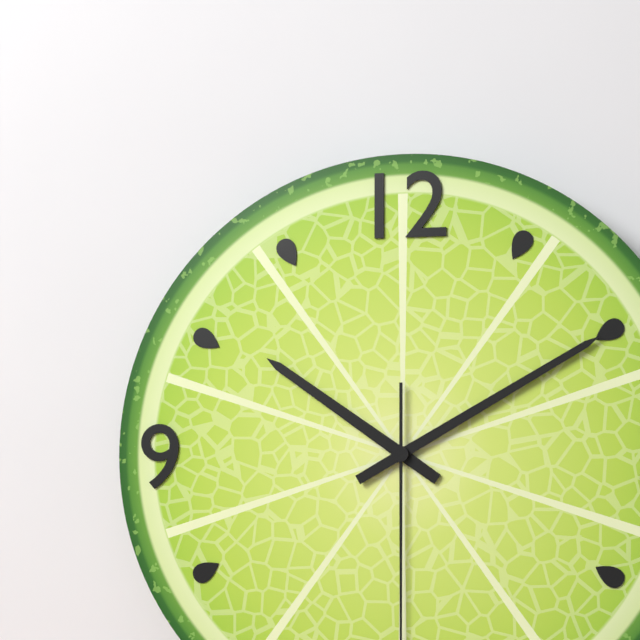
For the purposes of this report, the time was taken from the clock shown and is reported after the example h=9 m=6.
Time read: h=10 m=10
